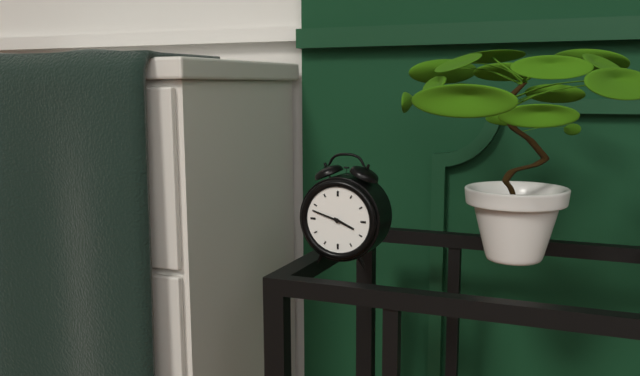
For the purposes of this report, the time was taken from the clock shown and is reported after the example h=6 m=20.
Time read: h=3 m=48
